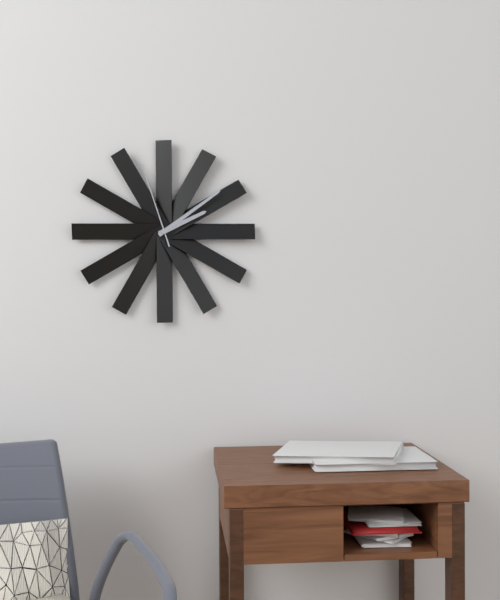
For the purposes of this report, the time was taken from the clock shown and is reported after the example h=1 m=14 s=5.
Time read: h=2 m=9 s=57
